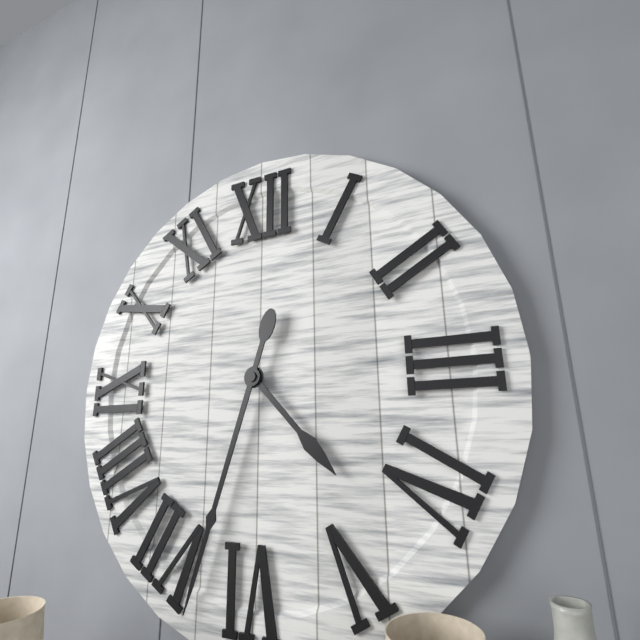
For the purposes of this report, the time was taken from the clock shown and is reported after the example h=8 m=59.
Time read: h=4 m=33
